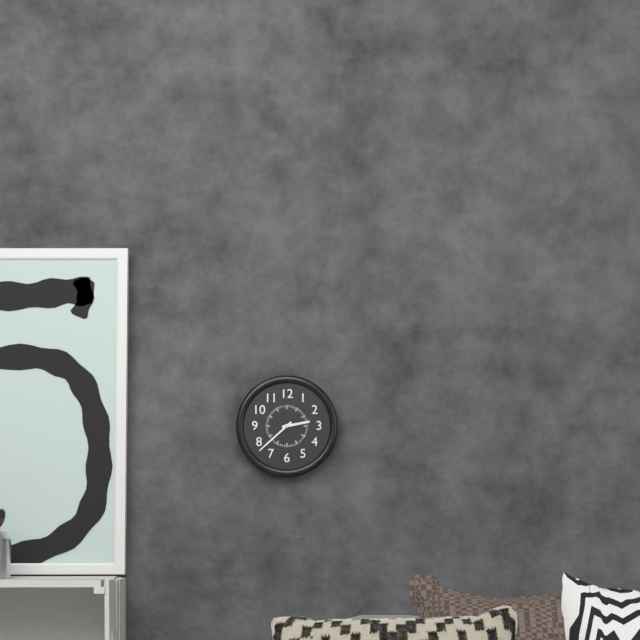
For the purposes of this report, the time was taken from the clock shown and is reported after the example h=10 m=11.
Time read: h=2 m=38
